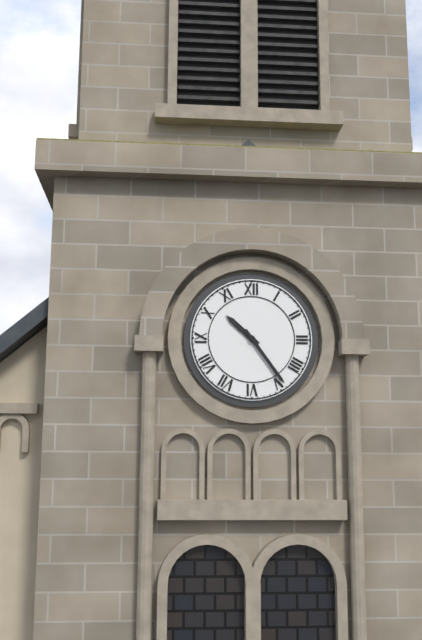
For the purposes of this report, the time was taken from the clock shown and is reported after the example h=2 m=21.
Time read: h=10 m=24
